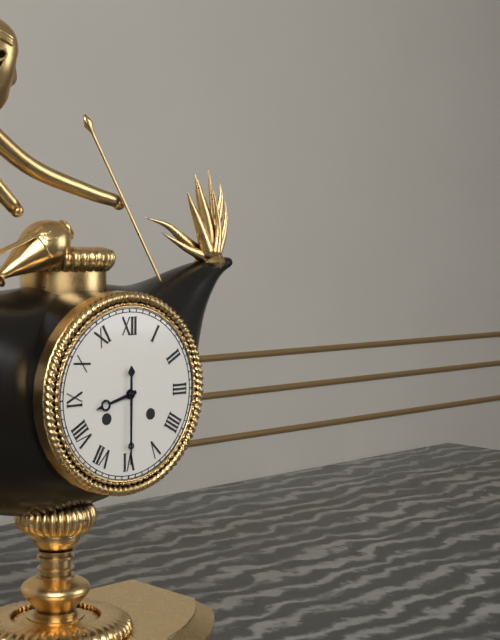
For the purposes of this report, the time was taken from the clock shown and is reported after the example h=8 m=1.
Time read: h=8 m=30
